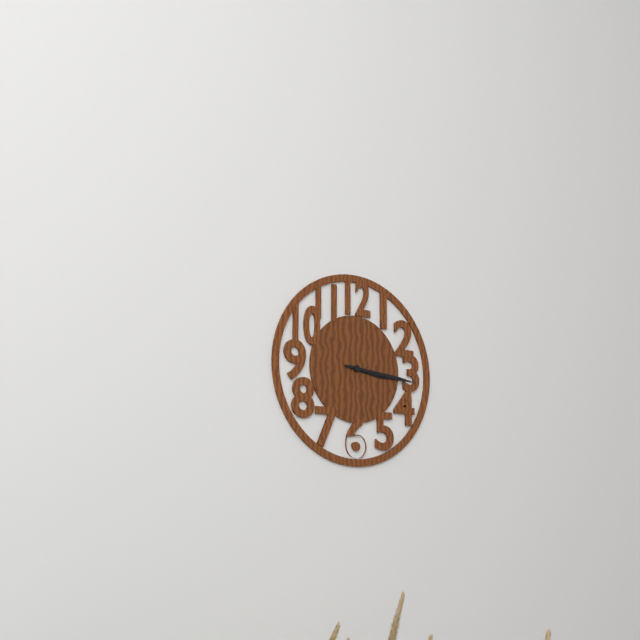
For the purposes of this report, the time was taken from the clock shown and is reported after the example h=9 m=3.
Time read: h=3 m=16
